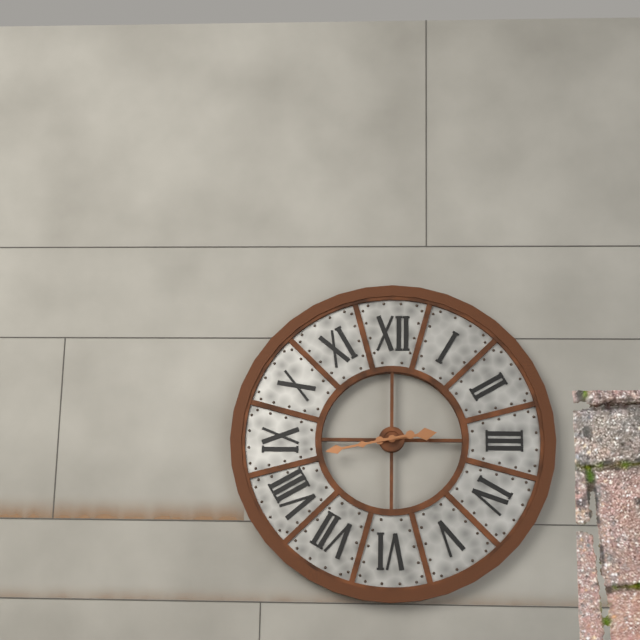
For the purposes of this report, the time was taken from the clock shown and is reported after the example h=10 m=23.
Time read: h=2 m=43
